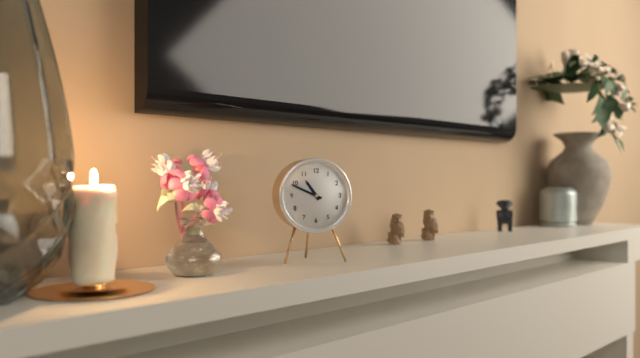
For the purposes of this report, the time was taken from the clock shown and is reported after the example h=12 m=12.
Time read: h=10 m=49
